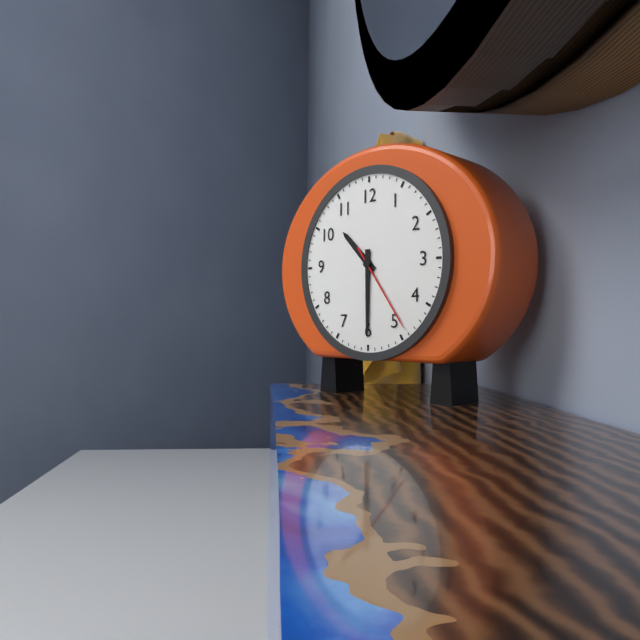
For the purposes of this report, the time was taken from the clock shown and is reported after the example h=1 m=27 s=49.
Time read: h=10 m=30 s=24
